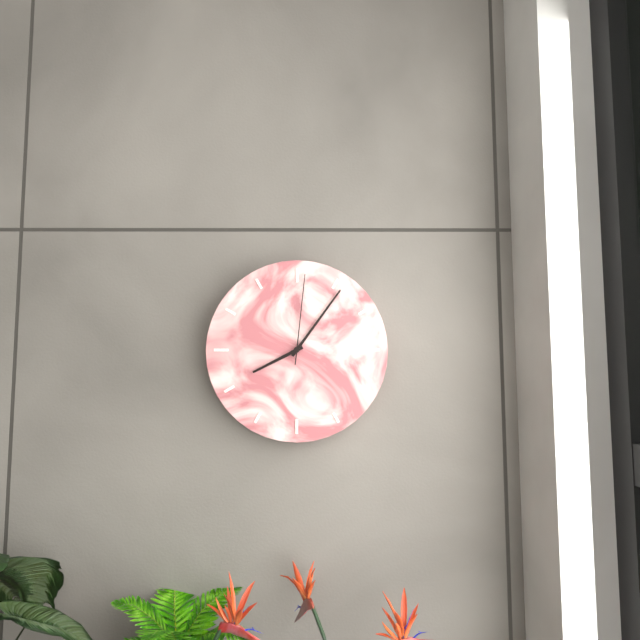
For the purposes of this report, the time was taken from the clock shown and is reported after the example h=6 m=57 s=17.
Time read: h=8 m=6 s=1
